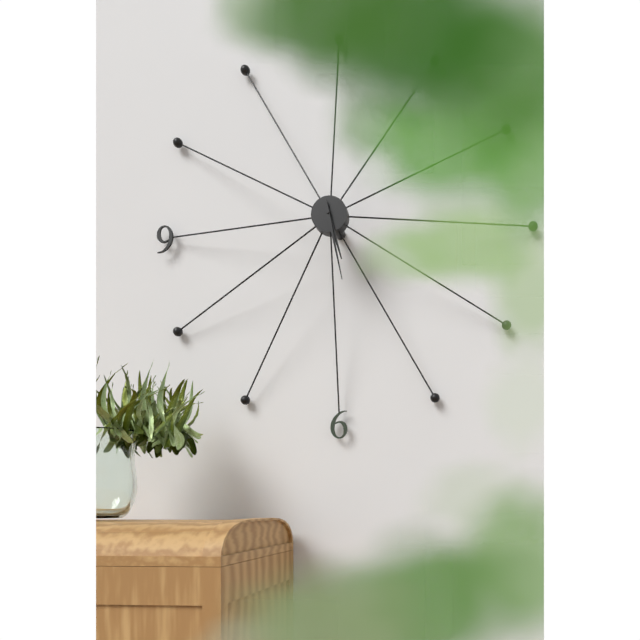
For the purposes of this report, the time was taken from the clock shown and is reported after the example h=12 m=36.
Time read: h=5 m=28
